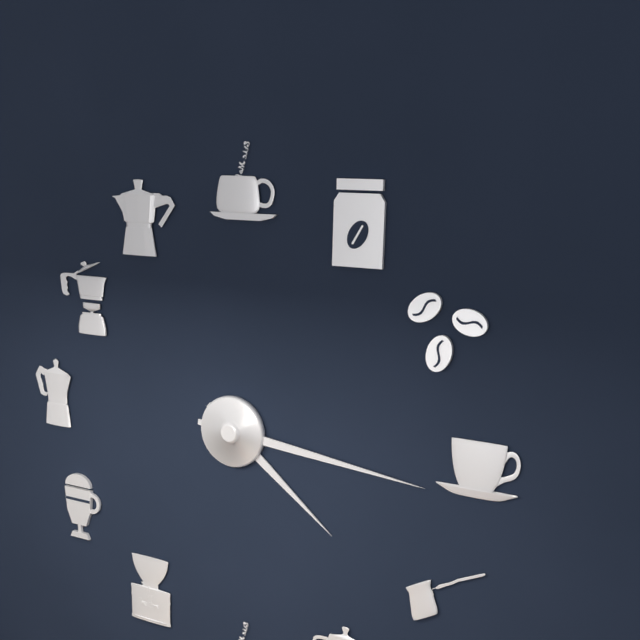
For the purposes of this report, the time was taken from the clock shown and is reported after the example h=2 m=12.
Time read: h=4 m=16
